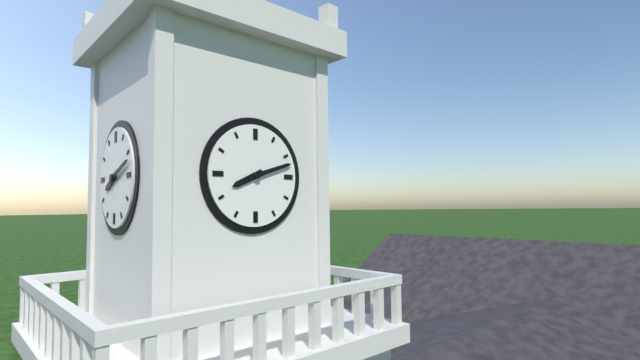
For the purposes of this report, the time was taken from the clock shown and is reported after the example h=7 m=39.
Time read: h=8 m=12
